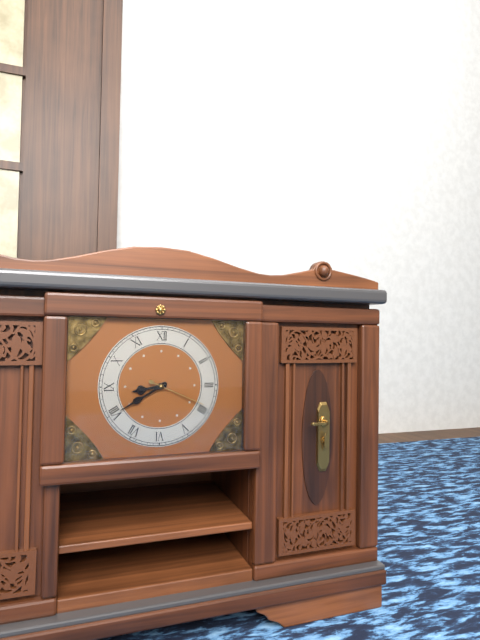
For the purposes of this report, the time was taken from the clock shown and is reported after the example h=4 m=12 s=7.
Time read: h=8 m=40 s=19
